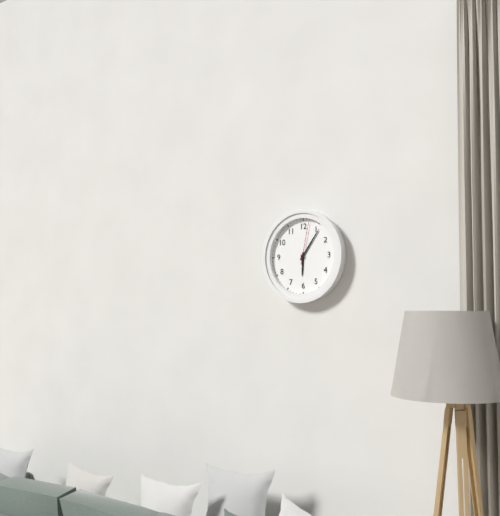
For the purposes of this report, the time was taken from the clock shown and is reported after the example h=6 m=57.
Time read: h=6 m=6
